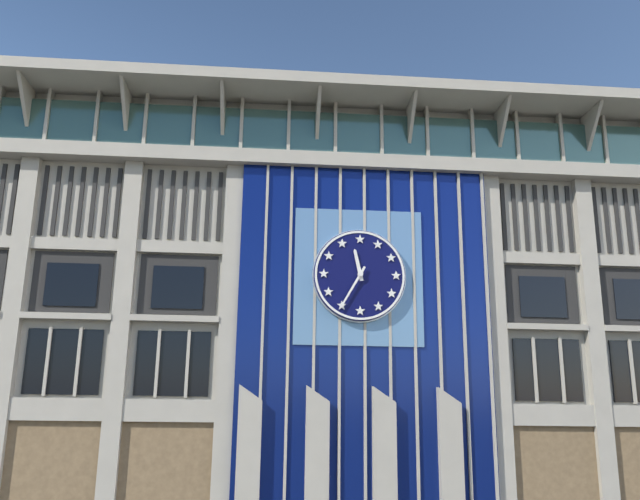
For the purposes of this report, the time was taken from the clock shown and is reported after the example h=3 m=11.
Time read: h=11 m=35
